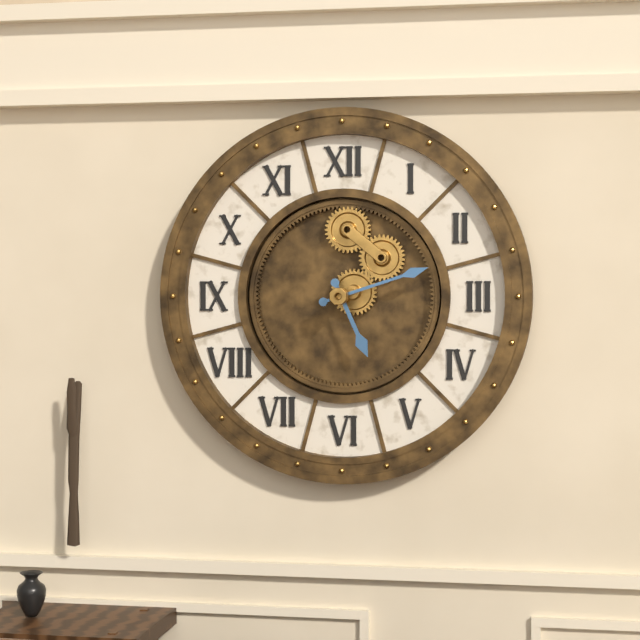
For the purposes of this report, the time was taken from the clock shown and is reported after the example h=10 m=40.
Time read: h=5 m=12
